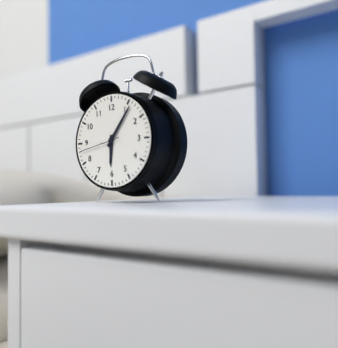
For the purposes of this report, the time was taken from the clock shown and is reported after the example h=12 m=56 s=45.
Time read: h=6 m=6 s=43
